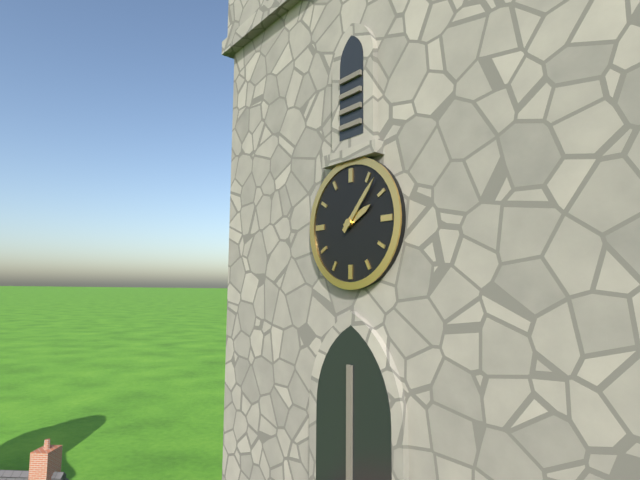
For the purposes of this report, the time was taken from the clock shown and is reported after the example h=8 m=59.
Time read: h=2 m=7
